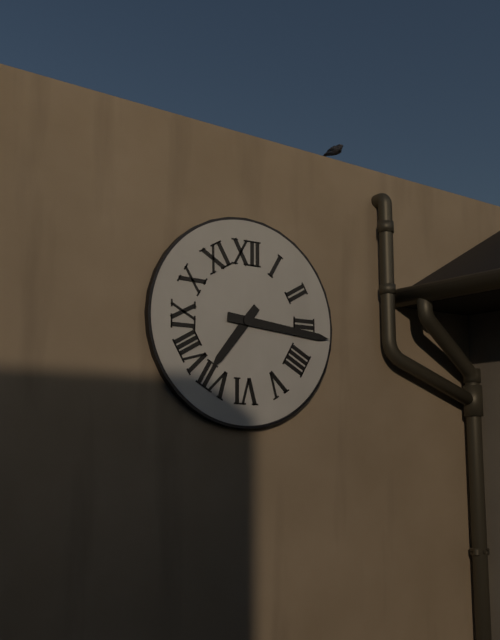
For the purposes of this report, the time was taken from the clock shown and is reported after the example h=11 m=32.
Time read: h=7 m=16
